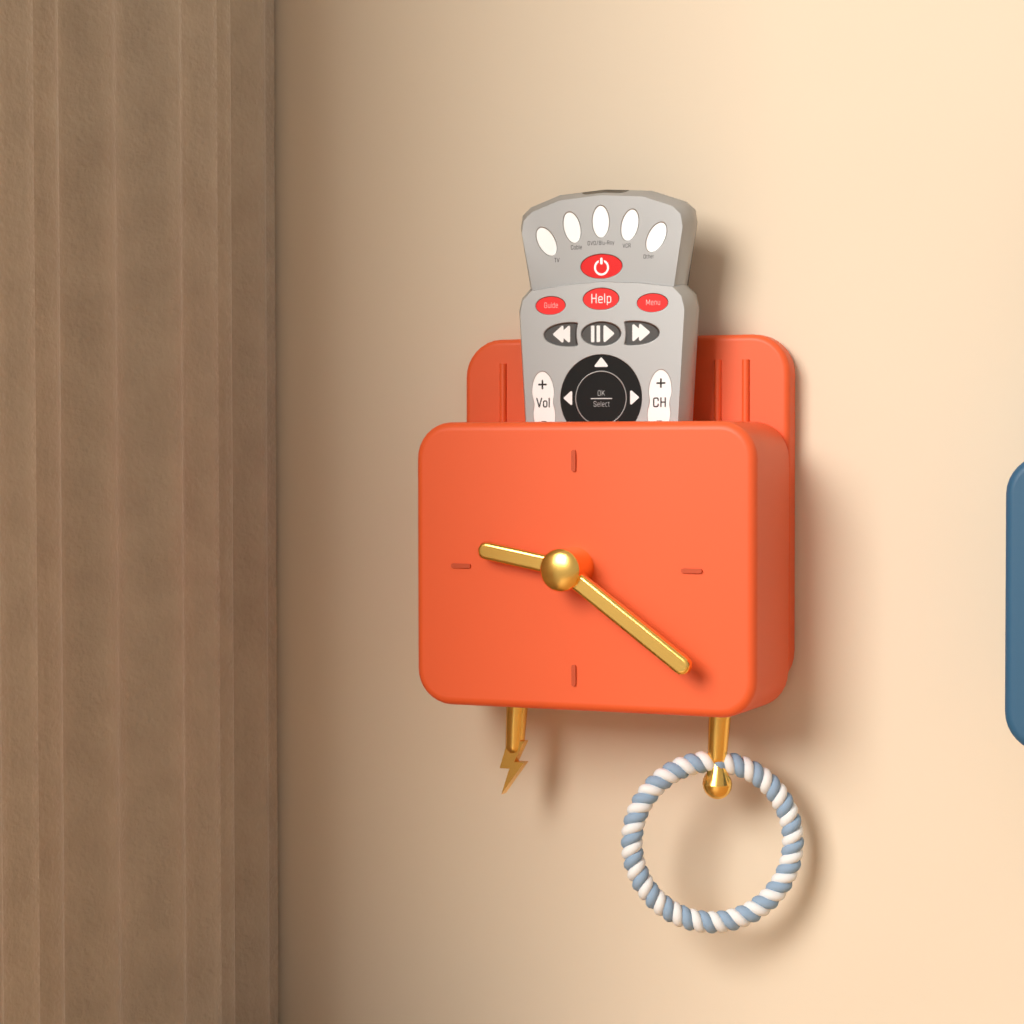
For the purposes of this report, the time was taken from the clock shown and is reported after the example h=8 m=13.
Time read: h=9 m=21
